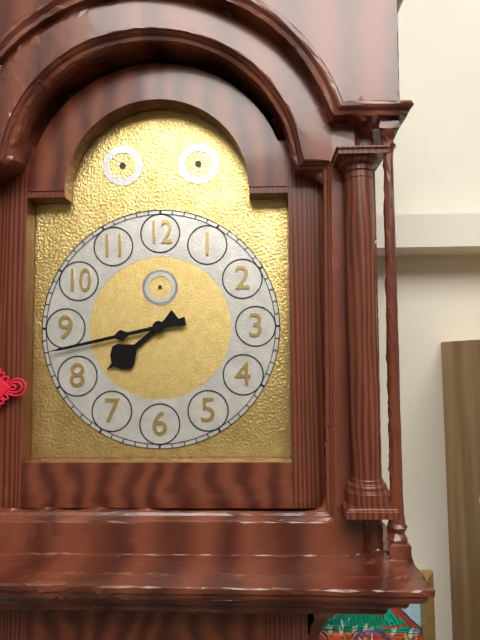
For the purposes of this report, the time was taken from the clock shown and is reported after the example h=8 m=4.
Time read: h=7 m=43
